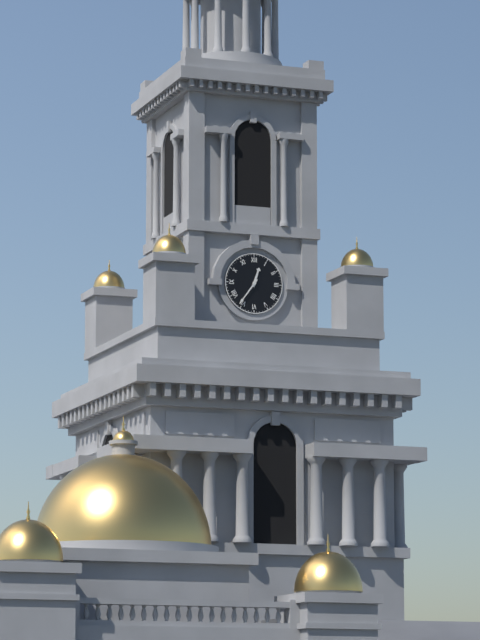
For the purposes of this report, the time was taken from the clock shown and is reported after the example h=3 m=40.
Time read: h=12 m=36
